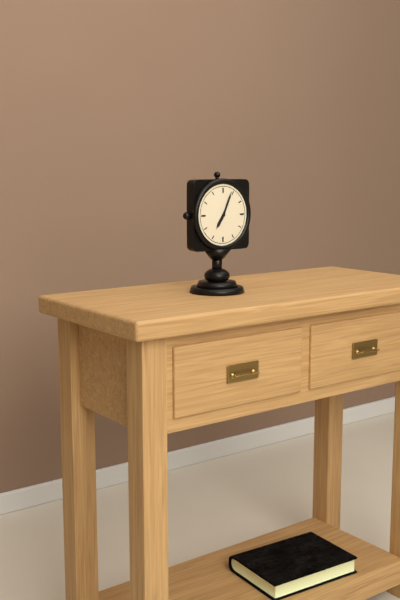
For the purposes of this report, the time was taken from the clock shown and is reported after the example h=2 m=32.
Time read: h=7 m=4
